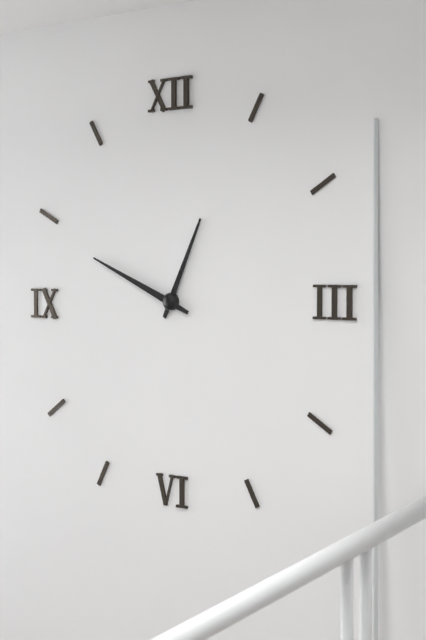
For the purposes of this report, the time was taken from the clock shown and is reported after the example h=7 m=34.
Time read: h=12 m=49
